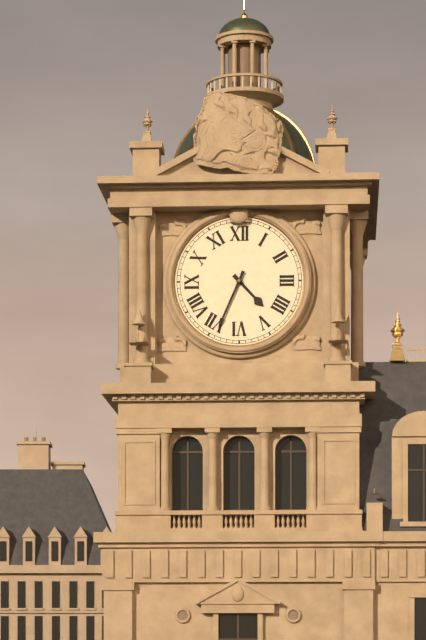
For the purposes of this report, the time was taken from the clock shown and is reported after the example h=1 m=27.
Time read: h=4 m=34
